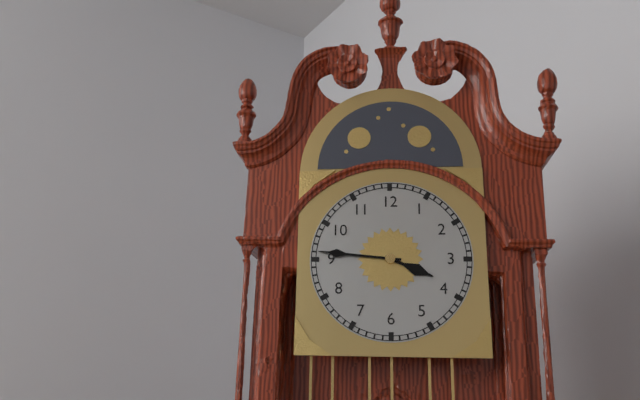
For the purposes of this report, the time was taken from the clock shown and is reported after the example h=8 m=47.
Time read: h=3 m=46
